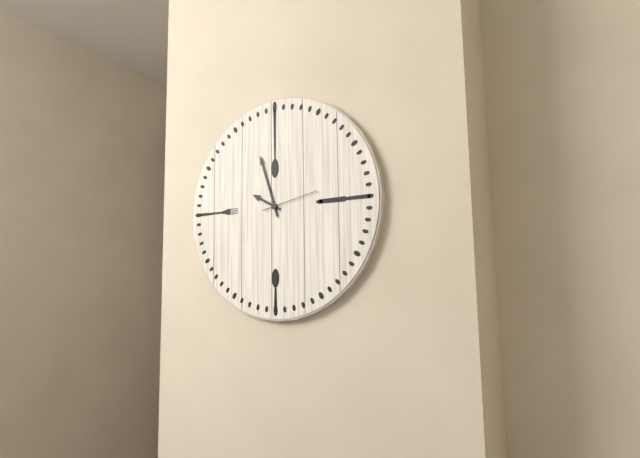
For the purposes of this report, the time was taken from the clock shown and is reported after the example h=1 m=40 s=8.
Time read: h=9 m=57 s=13
